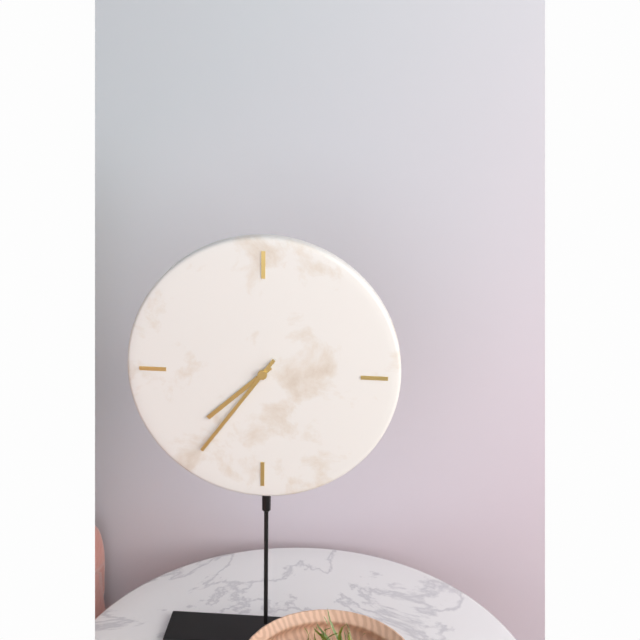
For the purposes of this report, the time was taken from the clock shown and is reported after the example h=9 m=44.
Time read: h=7 m=36
